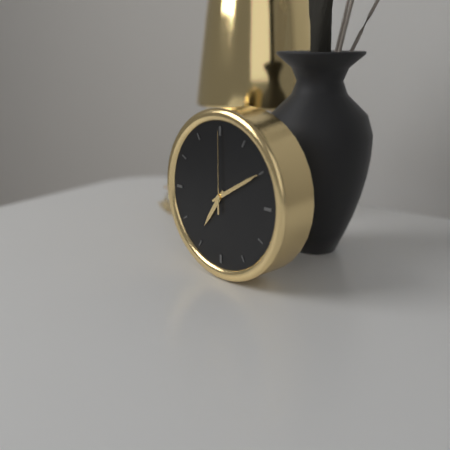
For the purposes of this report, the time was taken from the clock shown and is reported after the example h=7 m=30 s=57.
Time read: h=7 m=10 s=0
